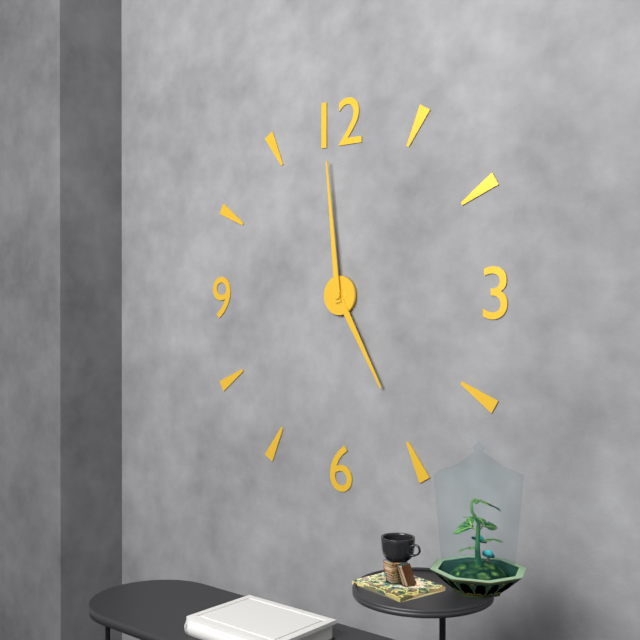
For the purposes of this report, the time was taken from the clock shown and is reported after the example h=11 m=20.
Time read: h=4 m=59
